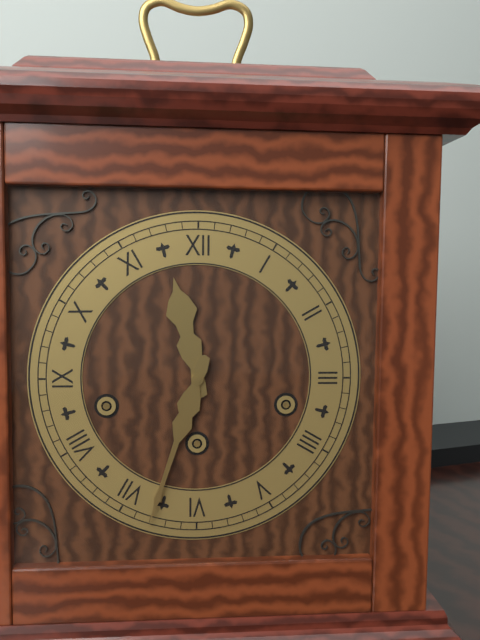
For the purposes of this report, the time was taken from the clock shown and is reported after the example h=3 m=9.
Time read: h=11 m=33
